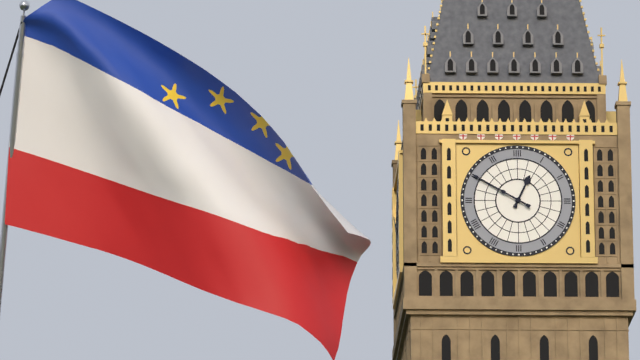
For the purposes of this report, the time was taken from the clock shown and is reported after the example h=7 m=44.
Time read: h=12 m=50
